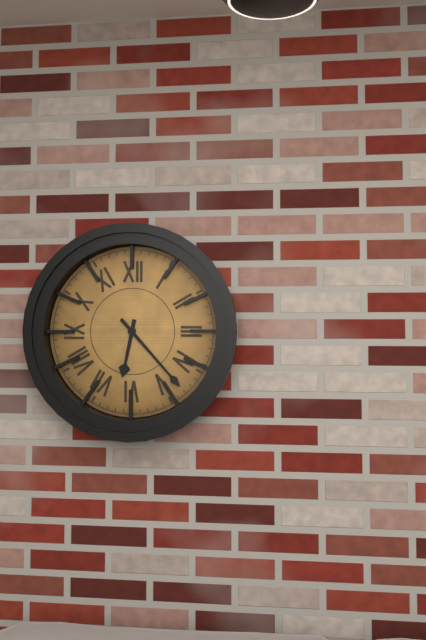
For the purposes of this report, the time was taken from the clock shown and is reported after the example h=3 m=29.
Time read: h=6 m=23
